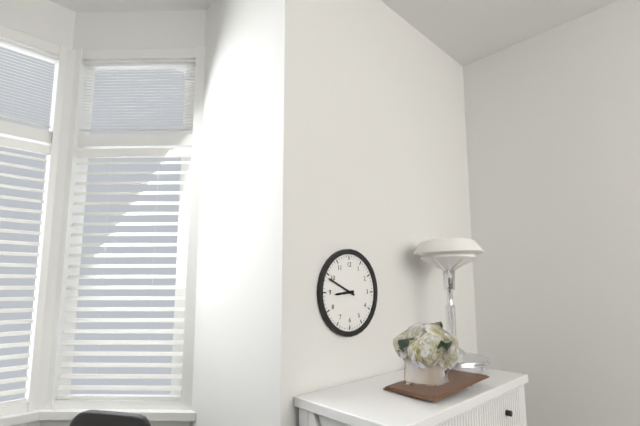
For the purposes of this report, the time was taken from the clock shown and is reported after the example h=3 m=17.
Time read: h=8 m=49
